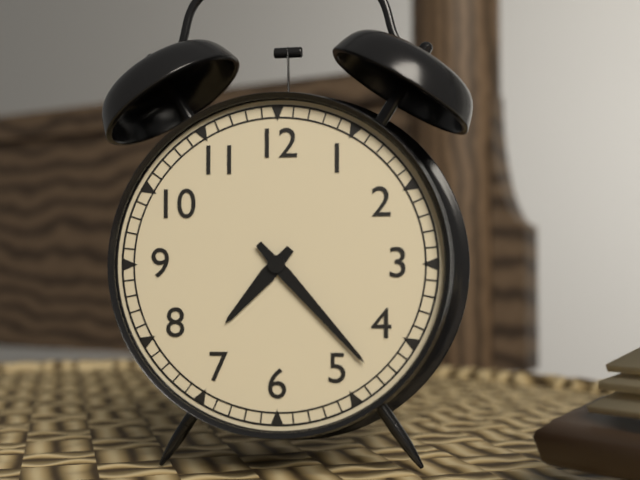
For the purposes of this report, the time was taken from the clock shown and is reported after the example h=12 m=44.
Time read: h=7 m=23
